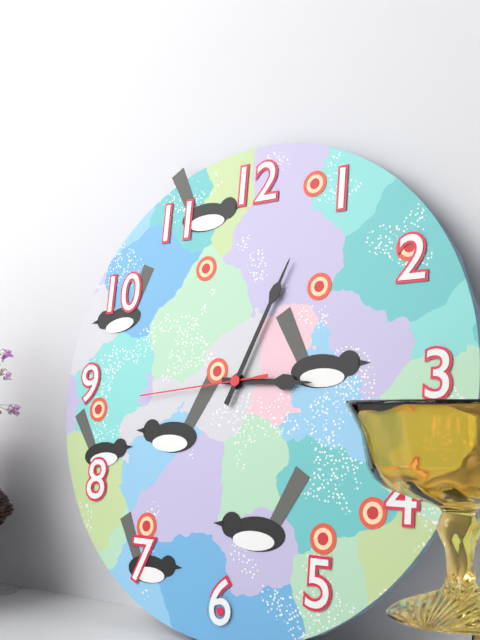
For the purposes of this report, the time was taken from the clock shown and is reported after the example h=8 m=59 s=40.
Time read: h=3 m=4 s=44
